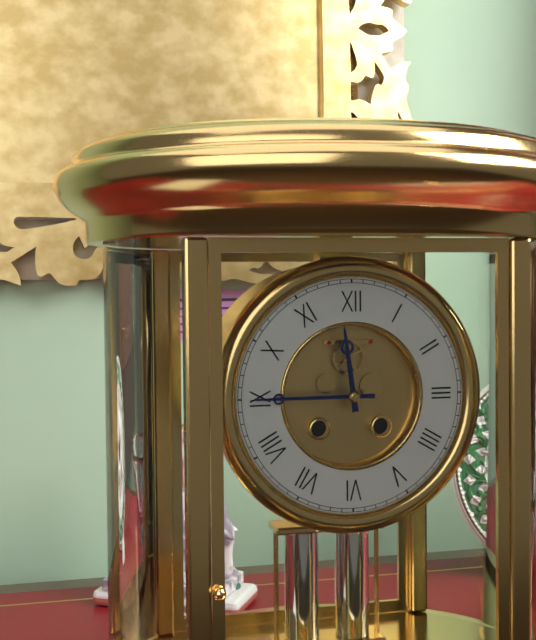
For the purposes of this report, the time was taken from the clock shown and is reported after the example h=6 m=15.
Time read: h=11 m=45
